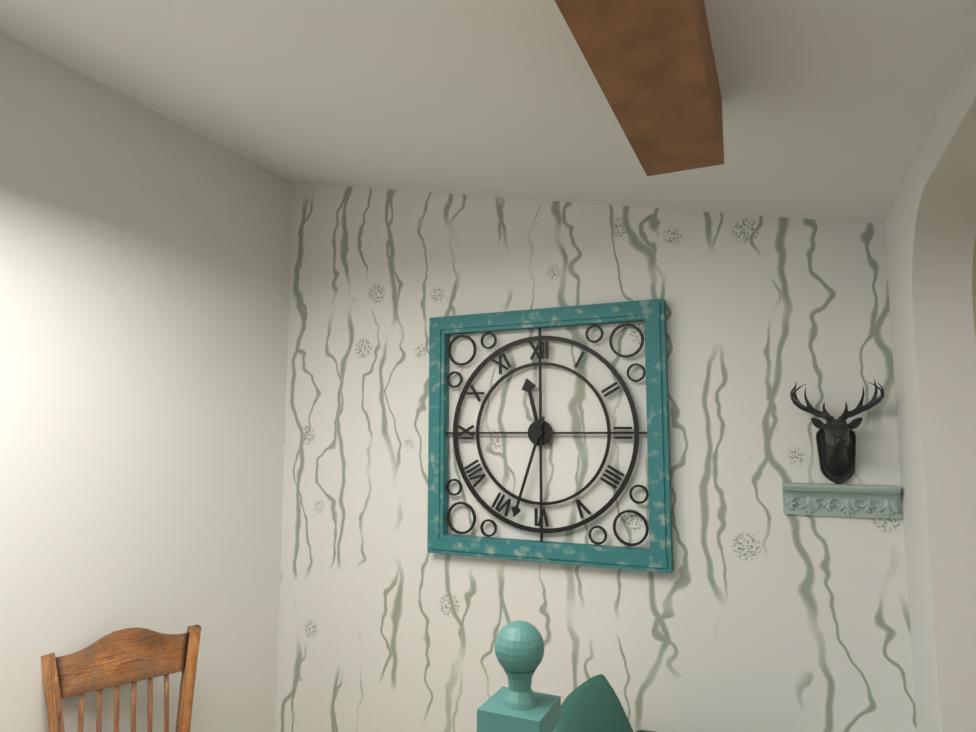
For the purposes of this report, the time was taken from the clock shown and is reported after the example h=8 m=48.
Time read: h=11 m=33
